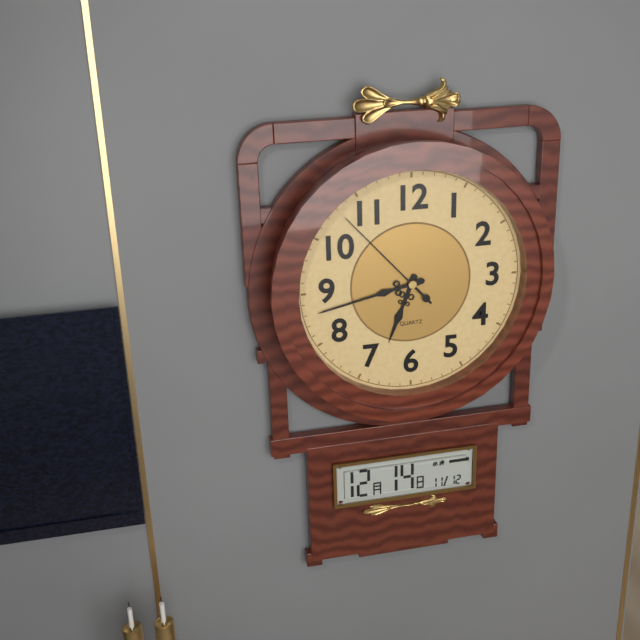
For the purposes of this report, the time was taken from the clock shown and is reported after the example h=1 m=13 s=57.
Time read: h=6 m=43 s=53
